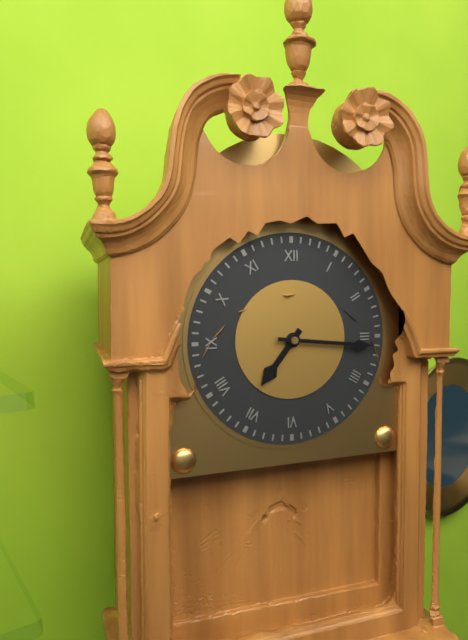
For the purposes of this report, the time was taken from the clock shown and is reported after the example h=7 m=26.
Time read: h=7 m=16
